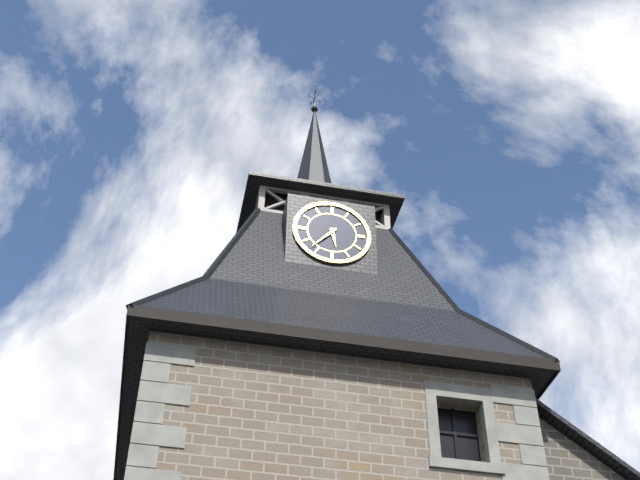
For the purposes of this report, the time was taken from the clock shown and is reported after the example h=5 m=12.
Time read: h=5 m=37
